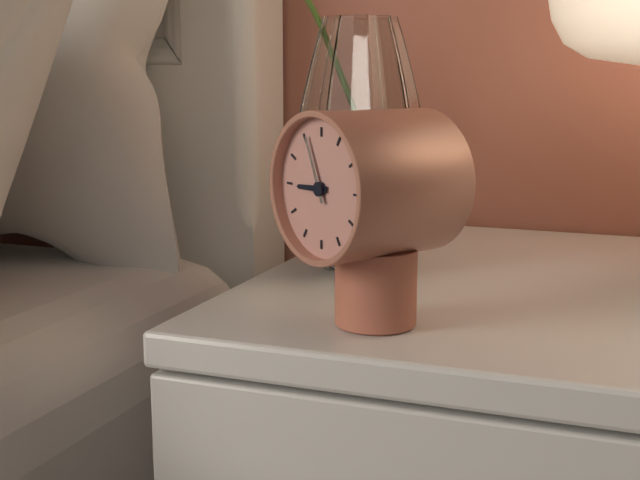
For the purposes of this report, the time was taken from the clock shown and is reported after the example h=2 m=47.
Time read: h=8 m=56
